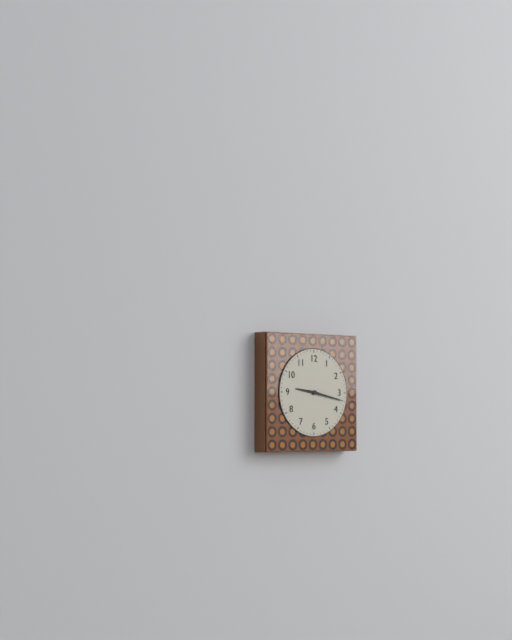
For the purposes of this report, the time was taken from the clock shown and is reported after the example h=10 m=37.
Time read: h=9 m=17
